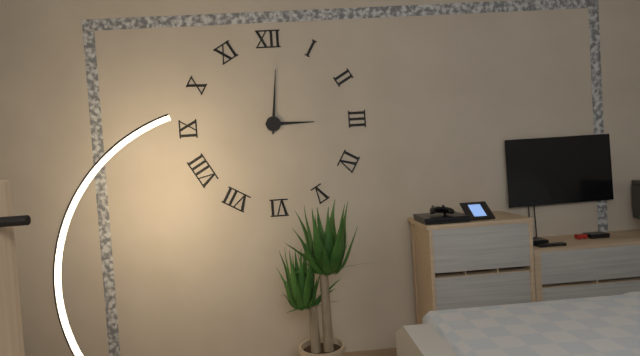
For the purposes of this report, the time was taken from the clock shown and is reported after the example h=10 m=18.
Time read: h=3 m=1
